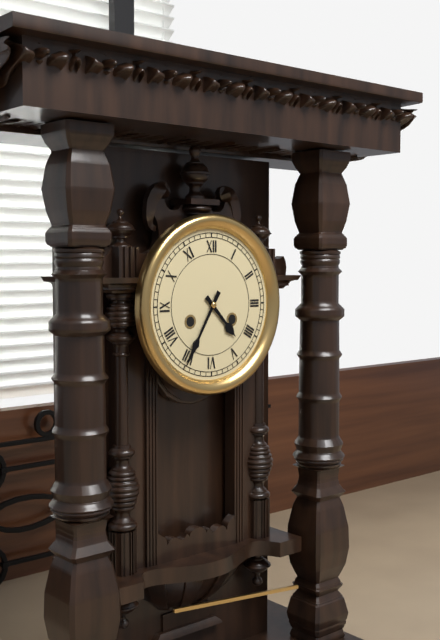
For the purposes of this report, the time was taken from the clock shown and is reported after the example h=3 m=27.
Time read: h=4 m=35
